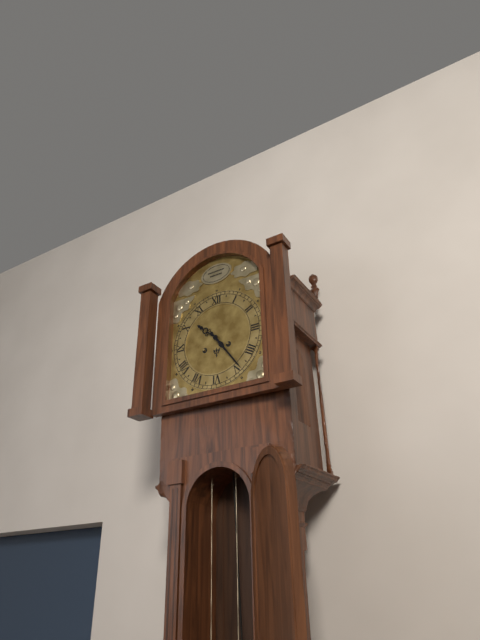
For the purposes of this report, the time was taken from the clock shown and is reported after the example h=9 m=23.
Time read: h=10 m=24
